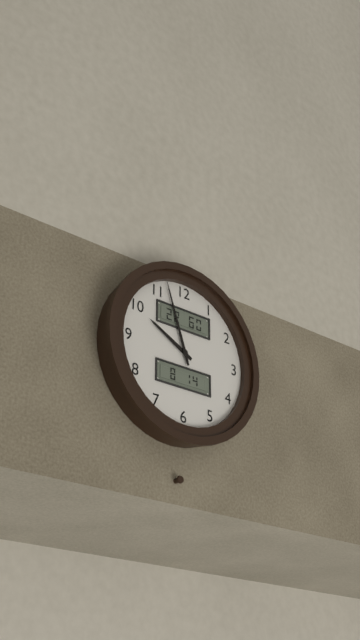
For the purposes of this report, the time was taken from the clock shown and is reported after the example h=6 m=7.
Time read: h=9 m=57
